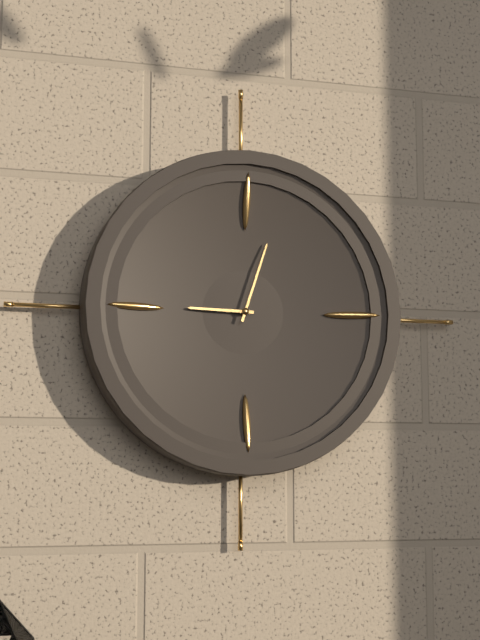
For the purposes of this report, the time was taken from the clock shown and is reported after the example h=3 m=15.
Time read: h=9 m=3
